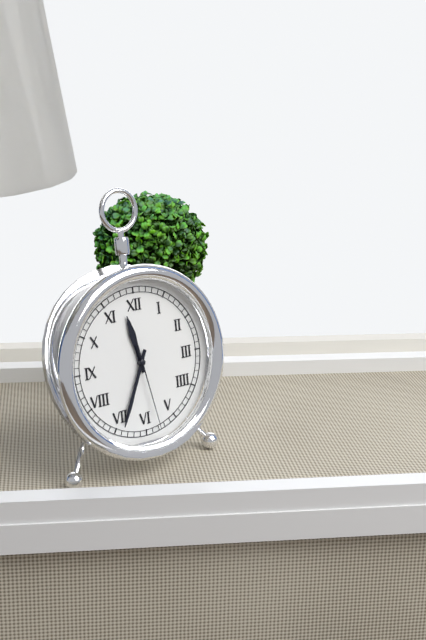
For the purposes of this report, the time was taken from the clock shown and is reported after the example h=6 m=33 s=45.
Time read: h=11 m=34 s=28
